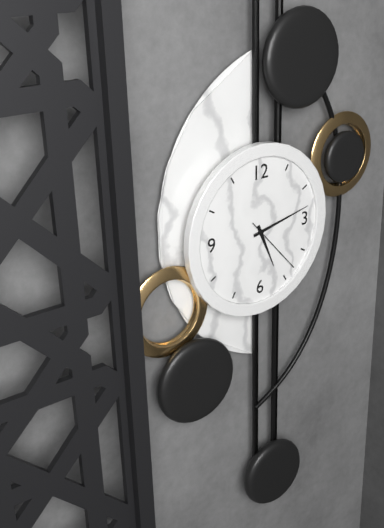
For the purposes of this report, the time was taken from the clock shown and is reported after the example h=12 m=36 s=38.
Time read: h=5 m=13 s=23
